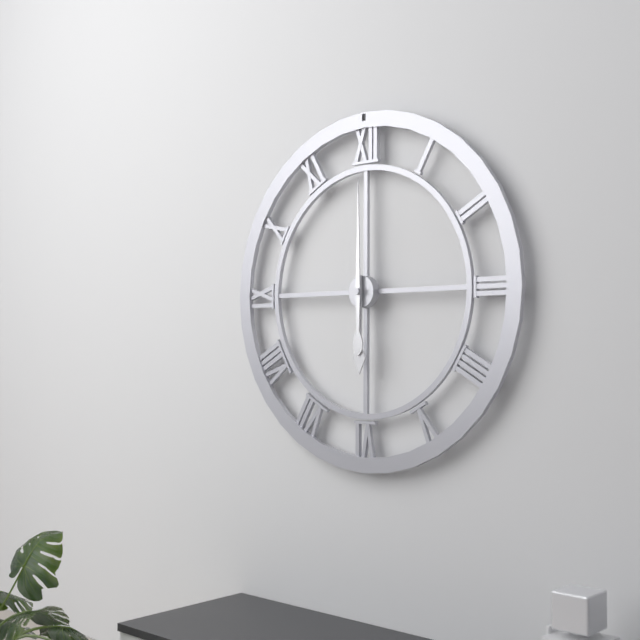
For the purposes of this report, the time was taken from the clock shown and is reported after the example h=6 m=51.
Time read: h=6 m=0
